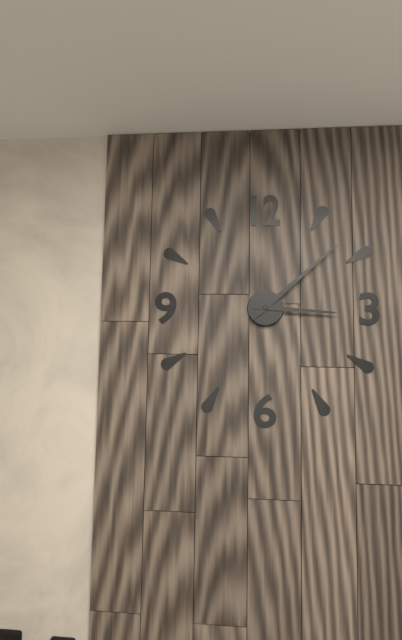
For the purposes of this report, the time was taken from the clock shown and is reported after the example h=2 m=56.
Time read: h=3 m=8
